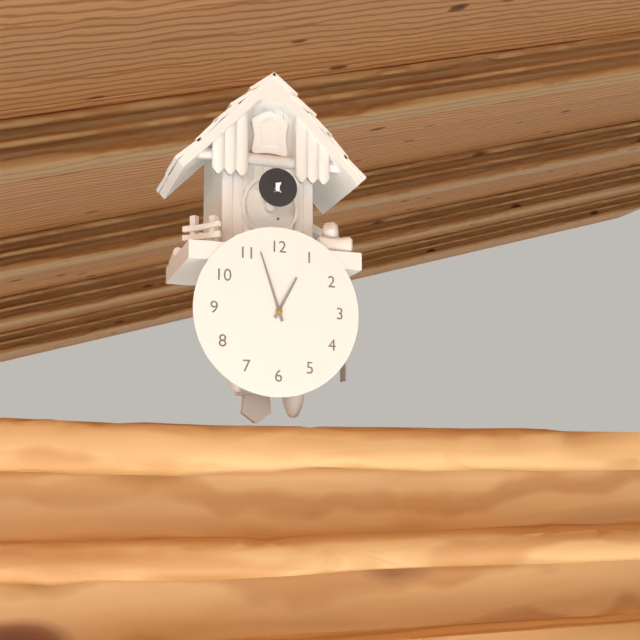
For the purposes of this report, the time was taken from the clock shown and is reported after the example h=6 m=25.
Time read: h=12 m=57
